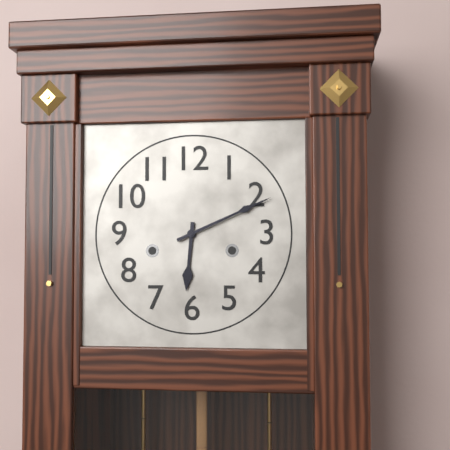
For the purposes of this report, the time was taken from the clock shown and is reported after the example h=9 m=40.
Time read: h=6 m=11
